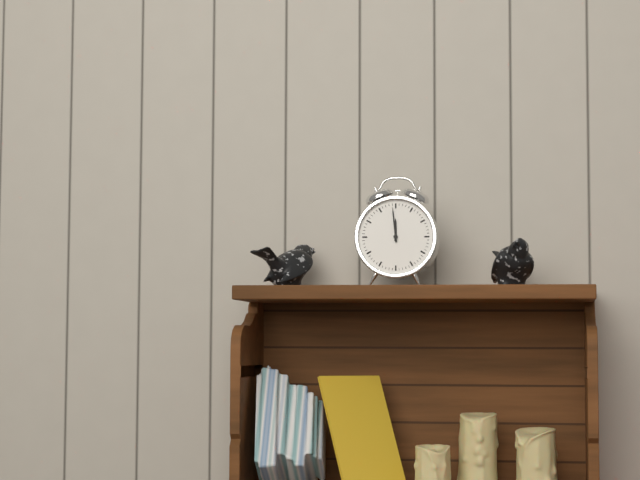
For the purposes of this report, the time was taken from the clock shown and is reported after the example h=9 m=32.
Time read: h=11 m=59
